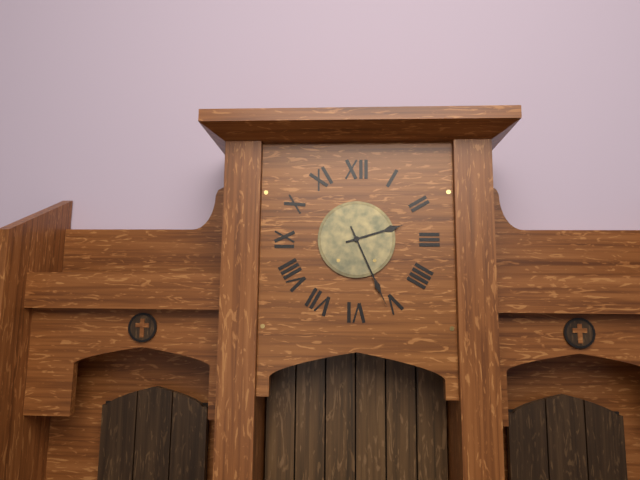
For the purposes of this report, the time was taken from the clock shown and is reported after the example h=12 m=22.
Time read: h=2 m=26
